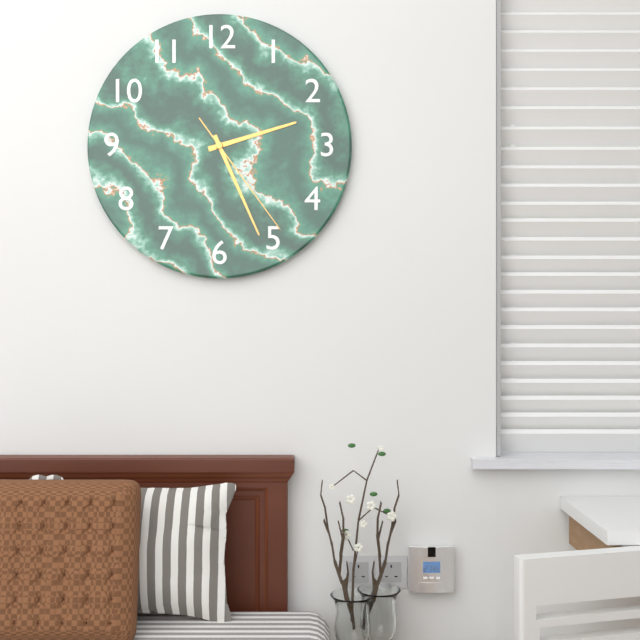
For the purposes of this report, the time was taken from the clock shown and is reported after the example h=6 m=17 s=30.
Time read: h=2 m=26 s=24
